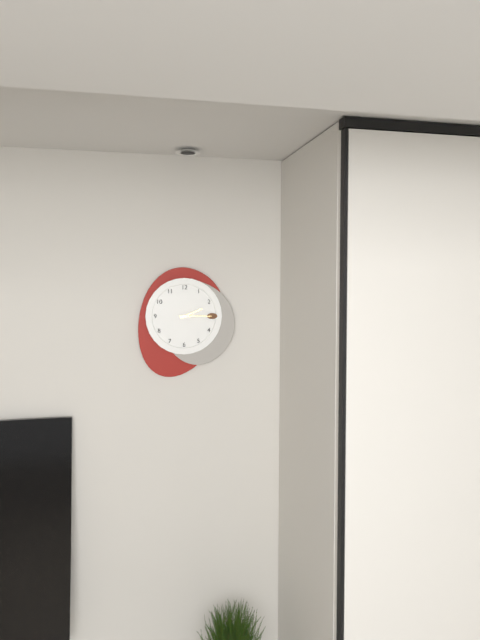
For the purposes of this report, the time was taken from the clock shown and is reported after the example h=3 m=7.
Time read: h=2 m=15
